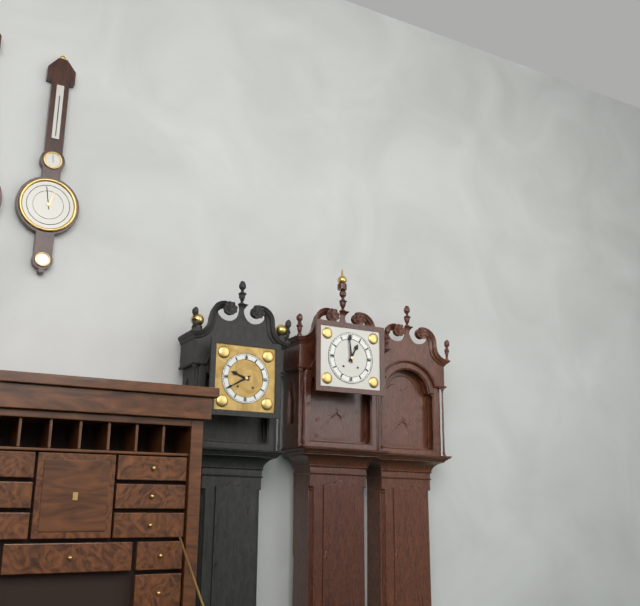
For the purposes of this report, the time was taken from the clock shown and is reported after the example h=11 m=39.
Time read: h=12 m=59
